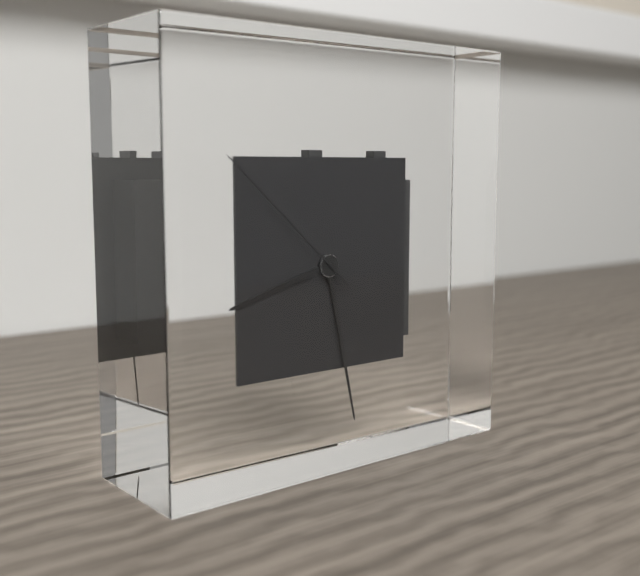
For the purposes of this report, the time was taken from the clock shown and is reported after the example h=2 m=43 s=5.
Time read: h=8 m=28 s=52
